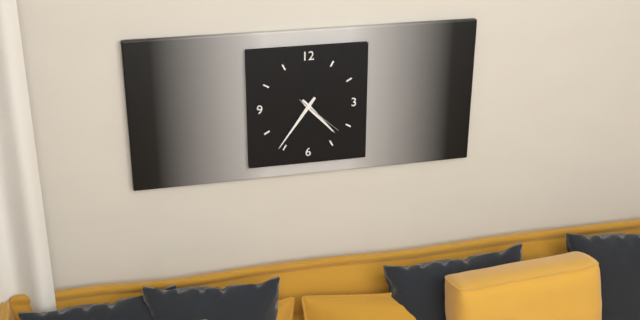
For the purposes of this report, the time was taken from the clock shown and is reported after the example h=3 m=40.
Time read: h=4 m=36
